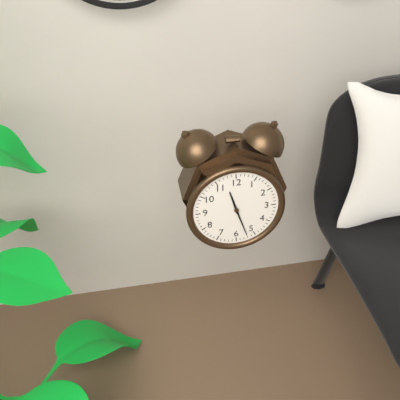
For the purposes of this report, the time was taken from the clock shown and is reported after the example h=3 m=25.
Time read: h=11 m=27
